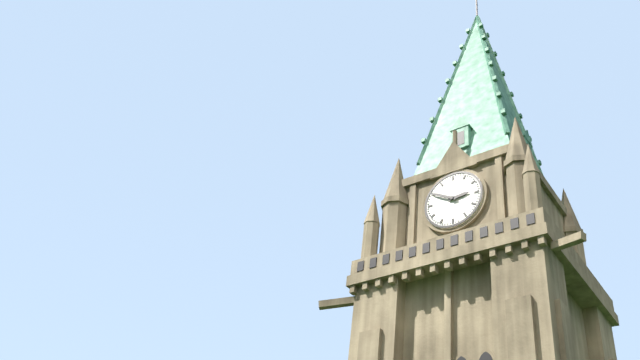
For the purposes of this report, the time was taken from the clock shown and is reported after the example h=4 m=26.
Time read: h=2 m=50
